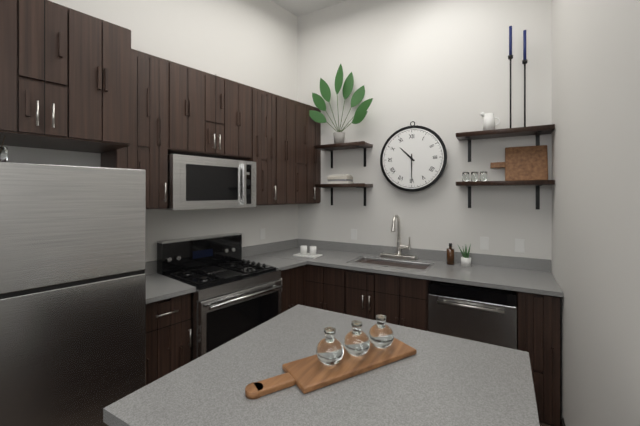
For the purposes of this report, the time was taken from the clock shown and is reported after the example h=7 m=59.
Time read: h=10 m=30
